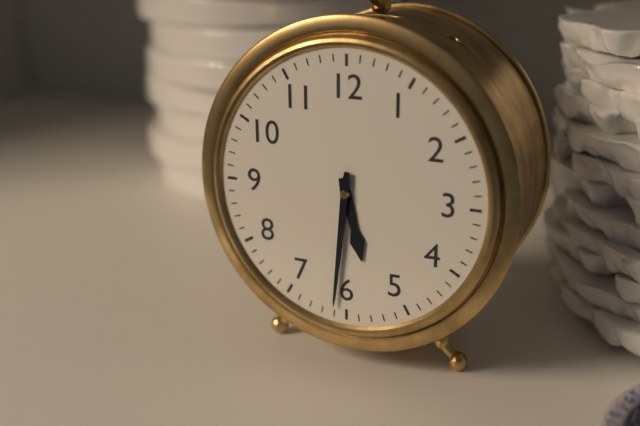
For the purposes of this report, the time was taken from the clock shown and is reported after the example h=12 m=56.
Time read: h=5 m=31
